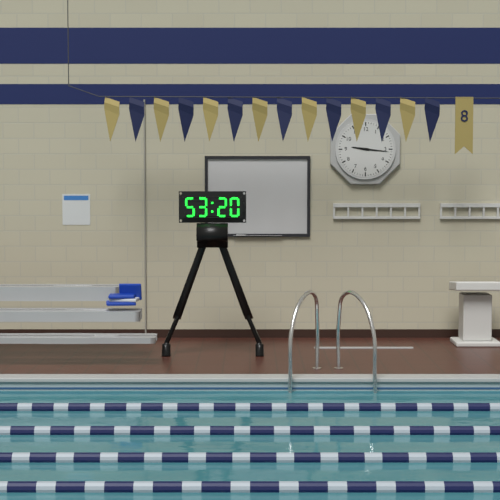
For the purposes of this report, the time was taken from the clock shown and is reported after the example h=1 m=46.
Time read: h=9 m=16
